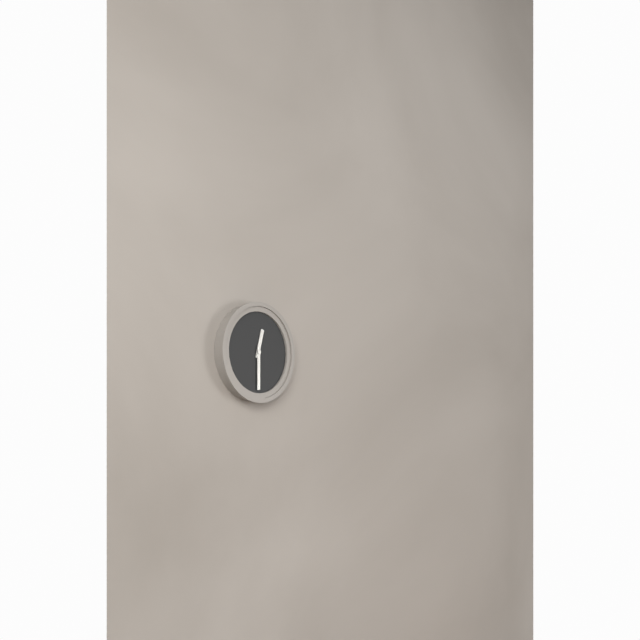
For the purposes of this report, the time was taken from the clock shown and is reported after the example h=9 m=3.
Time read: h=12 m=30
